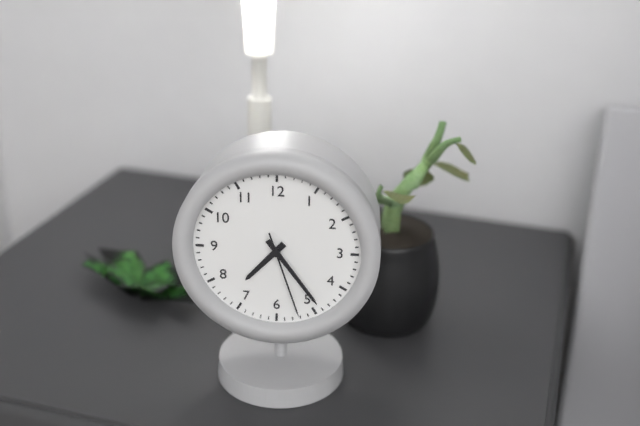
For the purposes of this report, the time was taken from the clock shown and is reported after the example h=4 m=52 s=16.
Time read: h=7 m=24 s=27
